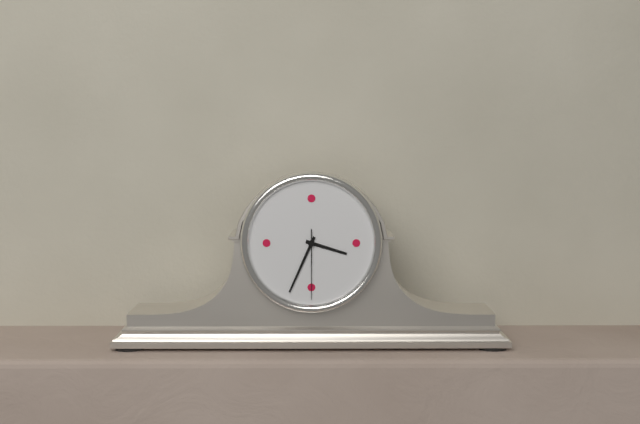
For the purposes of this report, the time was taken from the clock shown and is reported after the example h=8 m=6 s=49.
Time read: h=3 m=34 s=30
